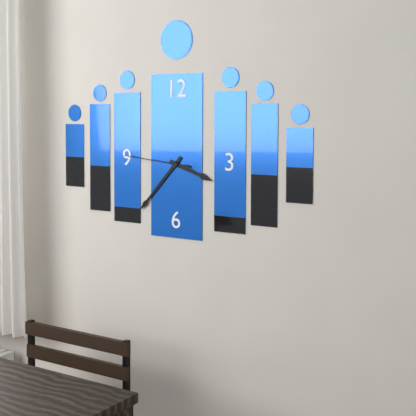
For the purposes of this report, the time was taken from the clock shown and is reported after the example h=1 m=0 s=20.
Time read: h=3 m=37 s=46
